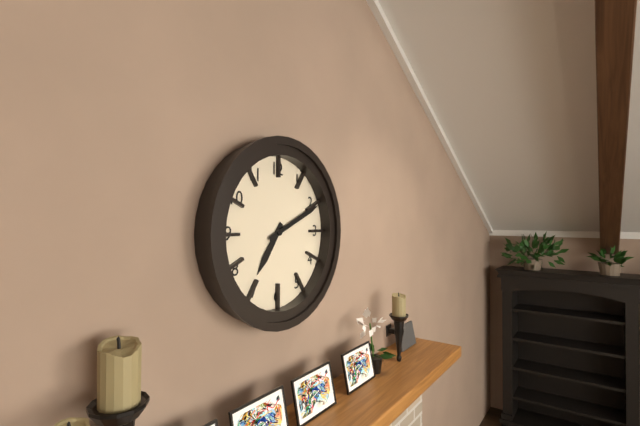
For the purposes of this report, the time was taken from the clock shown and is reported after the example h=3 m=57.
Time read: h=7 m=11
